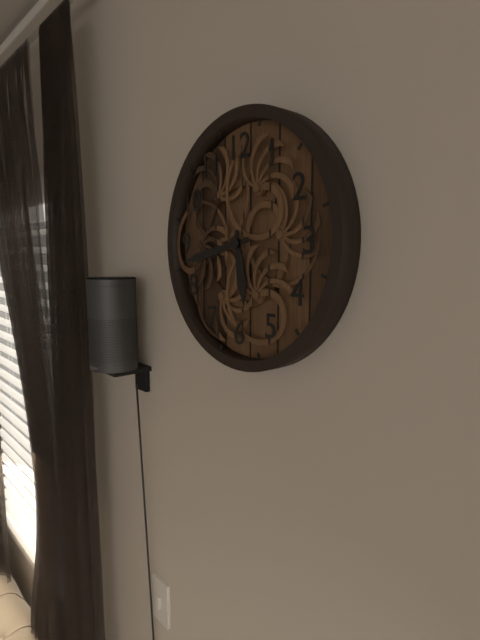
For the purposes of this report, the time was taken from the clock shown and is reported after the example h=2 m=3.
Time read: h=5 m=43
